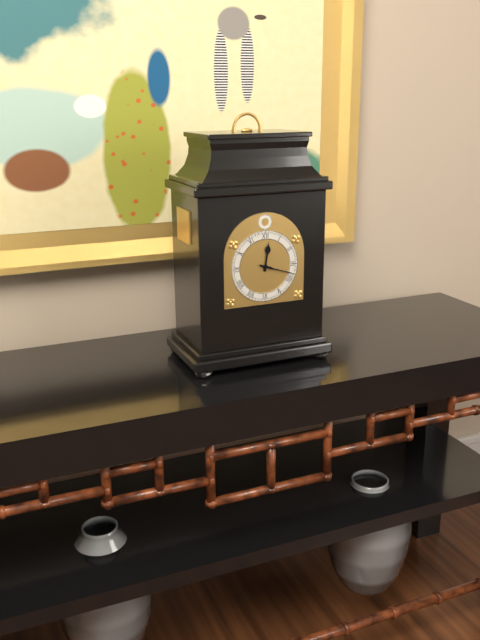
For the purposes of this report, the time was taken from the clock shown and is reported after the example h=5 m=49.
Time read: h=12 m=18
